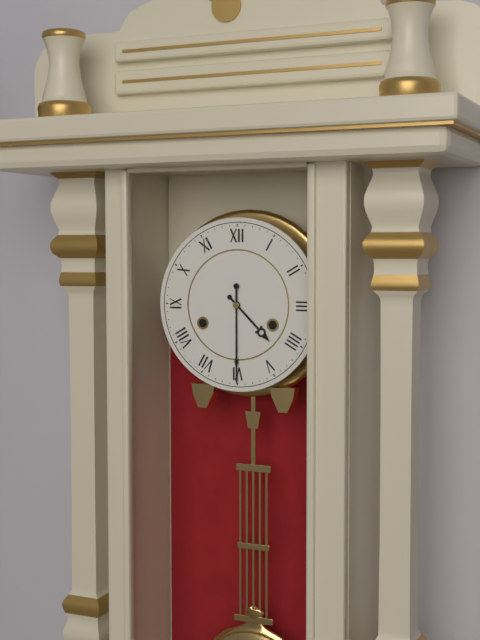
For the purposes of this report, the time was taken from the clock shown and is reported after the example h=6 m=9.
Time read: h=4 m=30
